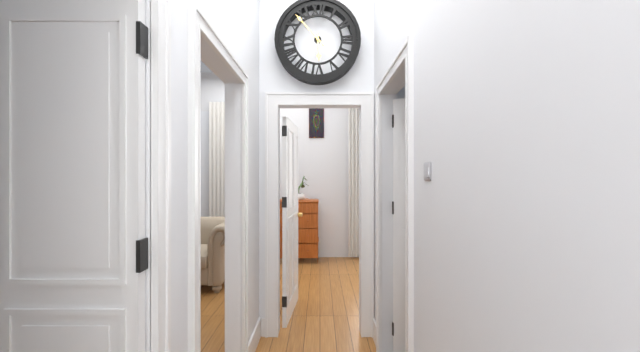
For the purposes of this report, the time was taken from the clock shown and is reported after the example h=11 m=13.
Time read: h=5 m=53
